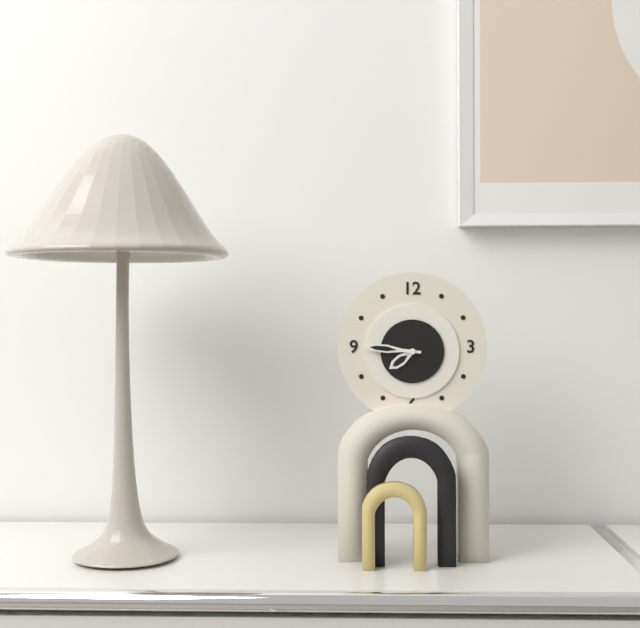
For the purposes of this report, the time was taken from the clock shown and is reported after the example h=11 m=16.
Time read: h=7 m=46
